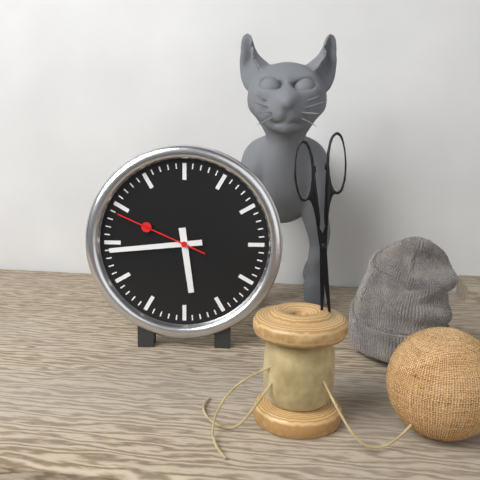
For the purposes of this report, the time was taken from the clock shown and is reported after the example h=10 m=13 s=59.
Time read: h=5 m=44 s=49
